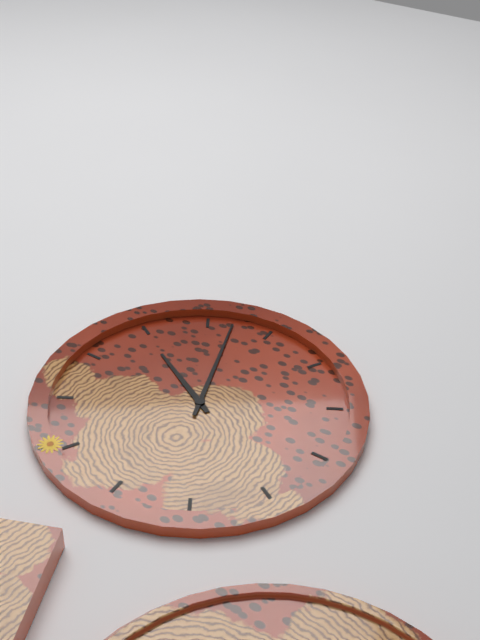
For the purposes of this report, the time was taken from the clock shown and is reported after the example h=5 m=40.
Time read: h=9 m=57
